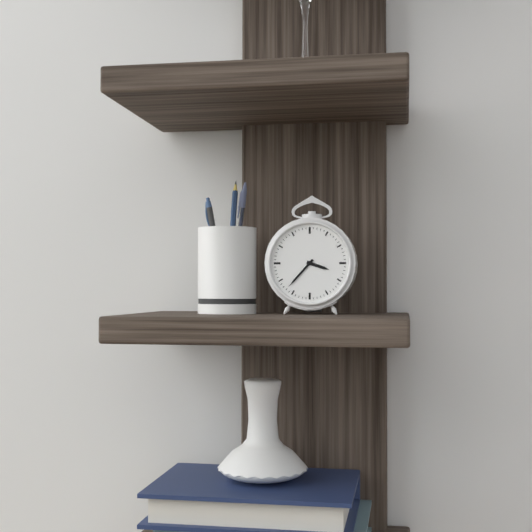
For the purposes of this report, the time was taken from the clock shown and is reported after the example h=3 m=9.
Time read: h=3 m=37
